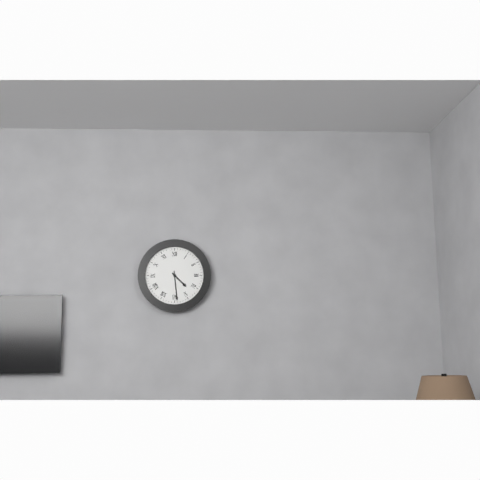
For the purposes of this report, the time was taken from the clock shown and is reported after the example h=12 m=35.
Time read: h=4 m=29
